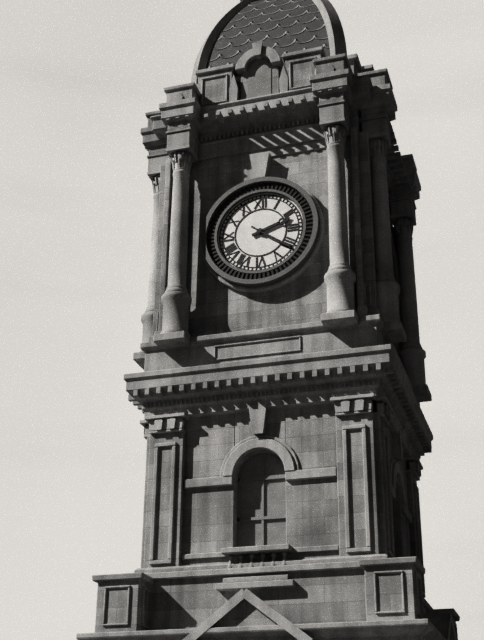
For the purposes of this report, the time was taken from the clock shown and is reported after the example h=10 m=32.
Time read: h=2 m=21
